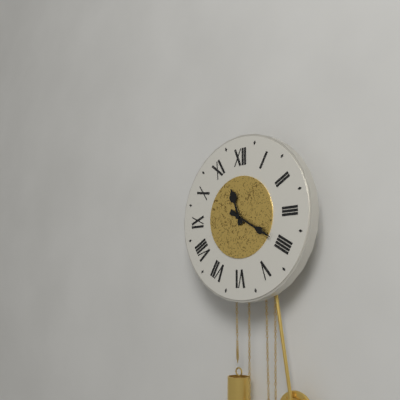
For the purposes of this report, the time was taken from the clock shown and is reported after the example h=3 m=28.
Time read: h=11 m=20
